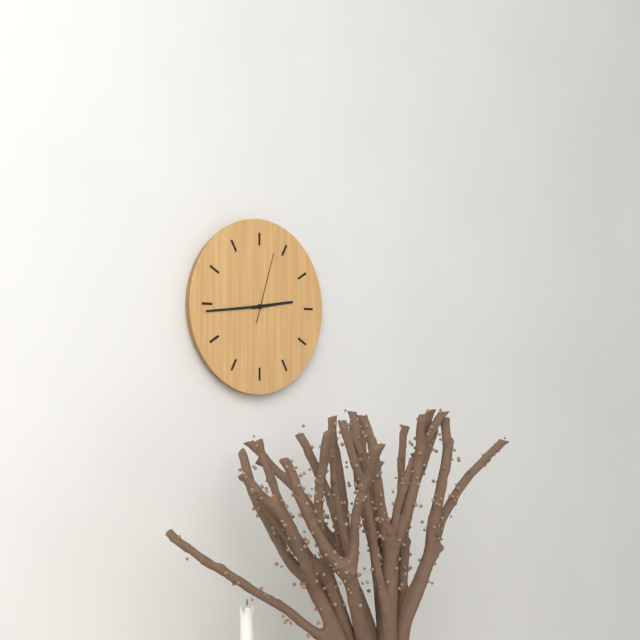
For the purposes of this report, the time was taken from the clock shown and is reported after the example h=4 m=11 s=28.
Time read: h=2 m=44 s=3
